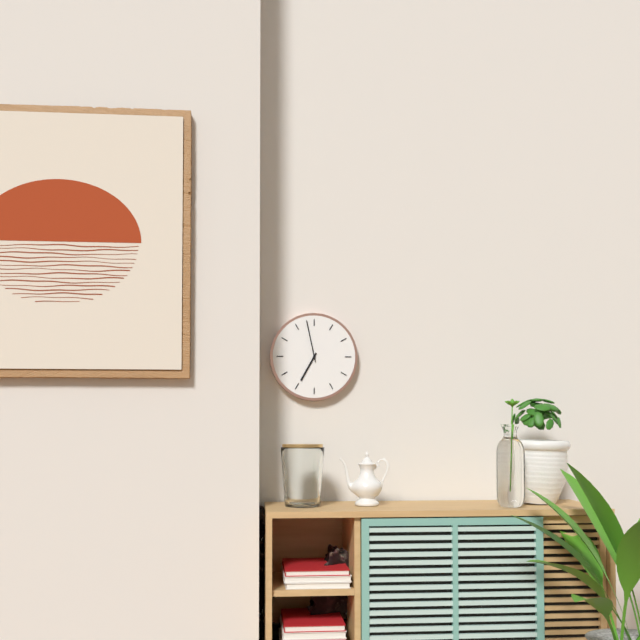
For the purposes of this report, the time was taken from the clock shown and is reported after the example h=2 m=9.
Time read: h=6 m=58
